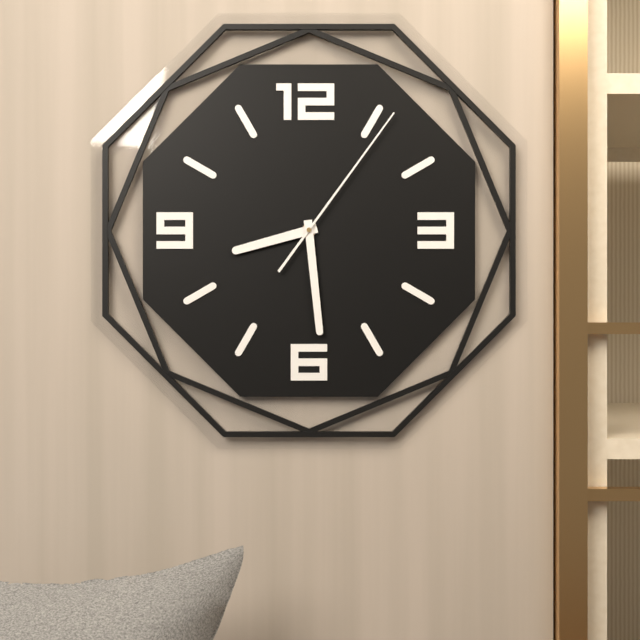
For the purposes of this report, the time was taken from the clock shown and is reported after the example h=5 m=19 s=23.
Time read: h=8 m=29 s=6
